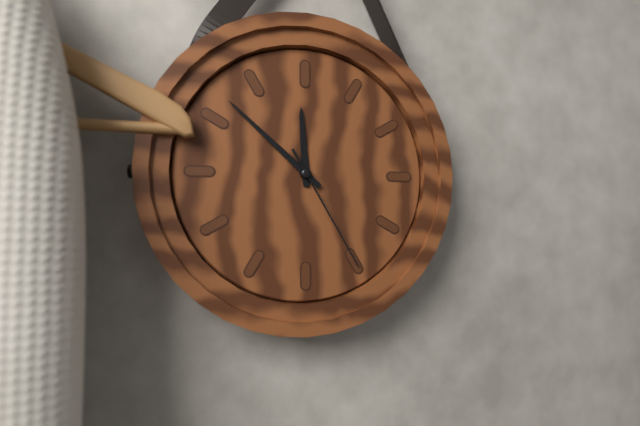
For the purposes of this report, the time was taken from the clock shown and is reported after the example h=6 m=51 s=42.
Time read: h=11 m=52 s=25
